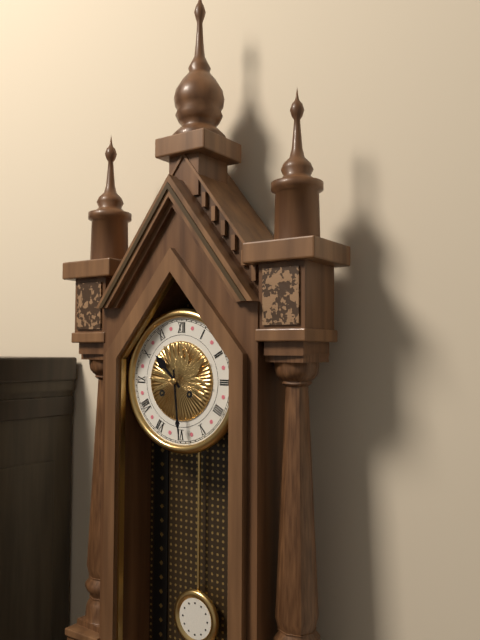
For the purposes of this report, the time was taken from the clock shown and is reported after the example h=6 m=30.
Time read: h=10 m=29
